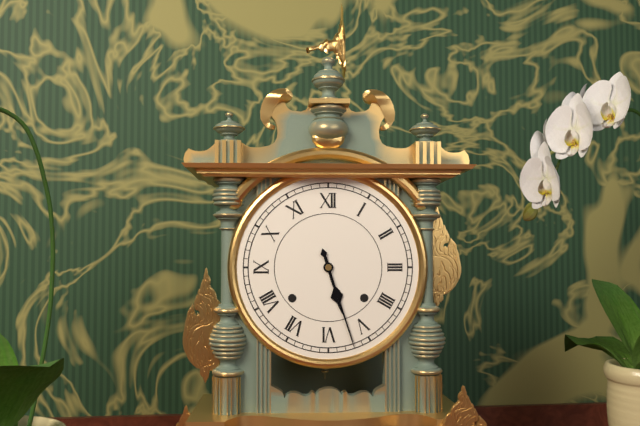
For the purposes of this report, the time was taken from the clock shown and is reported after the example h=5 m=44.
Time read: h=5 m=27
